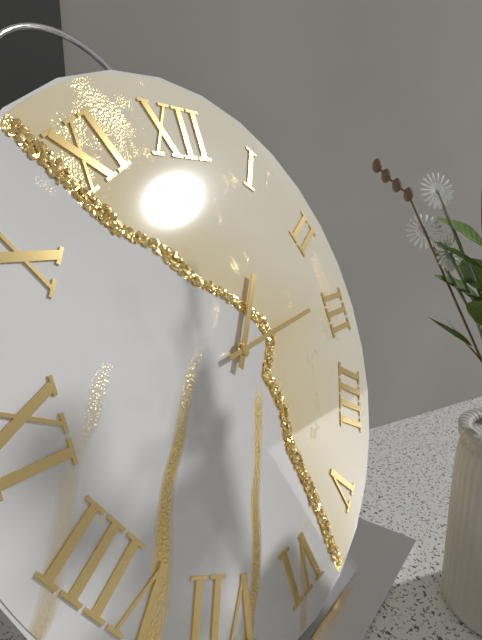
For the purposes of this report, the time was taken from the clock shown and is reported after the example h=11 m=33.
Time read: h=1 m=14
